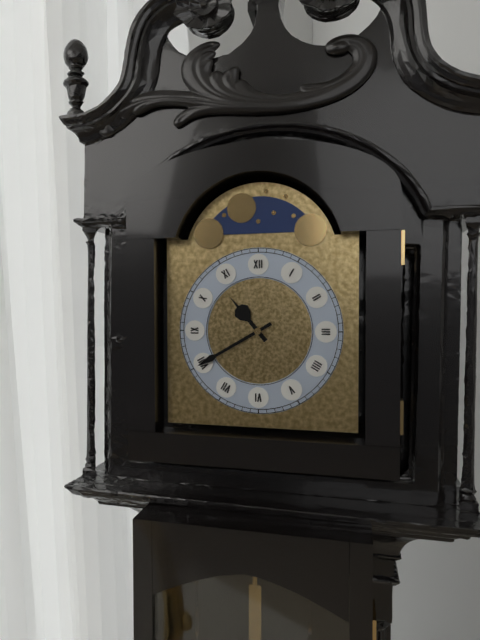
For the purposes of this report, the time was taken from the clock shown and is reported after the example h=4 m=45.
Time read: h=10 m=40
